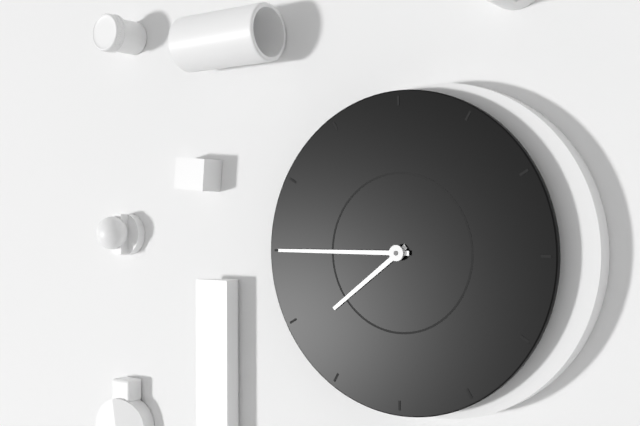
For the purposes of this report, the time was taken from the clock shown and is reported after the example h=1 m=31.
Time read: h=7 m=45
